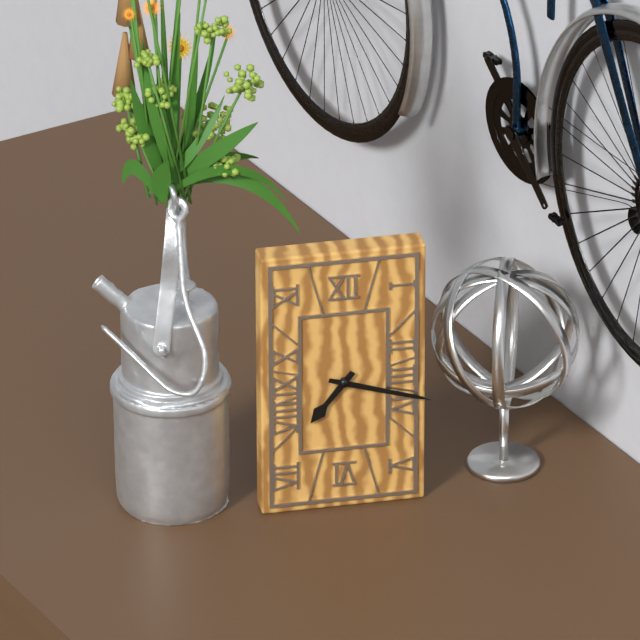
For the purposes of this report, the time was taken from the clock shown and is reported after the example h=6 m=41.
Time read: h=7 m=18
